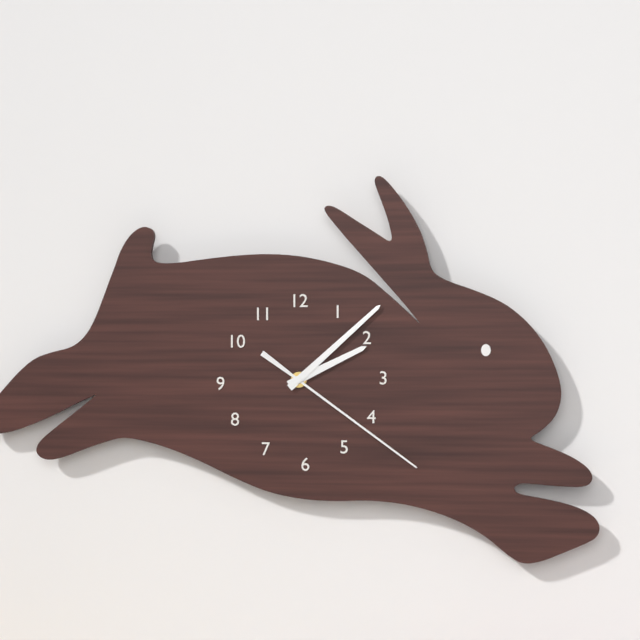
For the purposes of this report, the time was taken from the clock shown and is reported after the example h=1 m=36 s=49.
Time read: h=2 m=8 s=21
